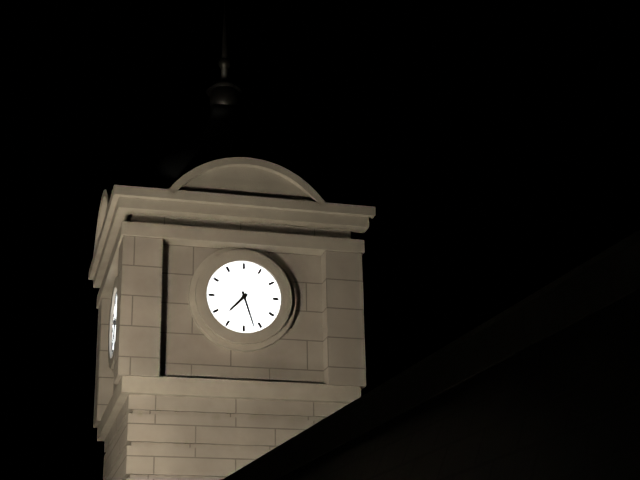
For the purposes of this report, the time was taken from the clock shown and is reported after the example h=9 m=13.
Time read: h=7 m=27
